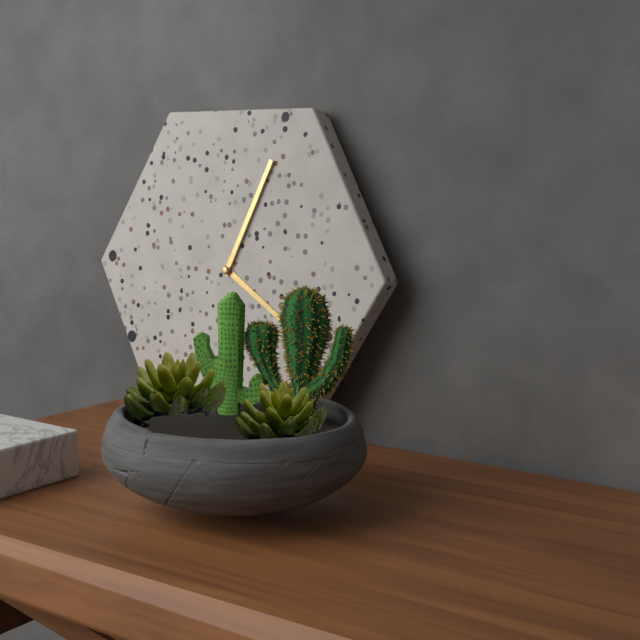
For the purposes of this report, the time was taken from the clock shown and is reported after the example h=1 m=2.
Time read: h=4 m=4
